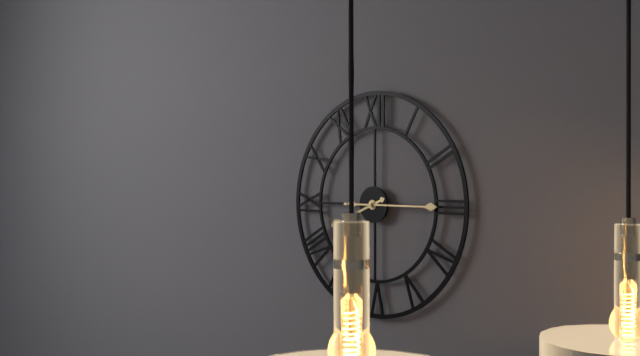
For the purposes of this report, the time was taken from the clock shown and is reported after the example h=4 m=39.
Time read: h=8 m=15
